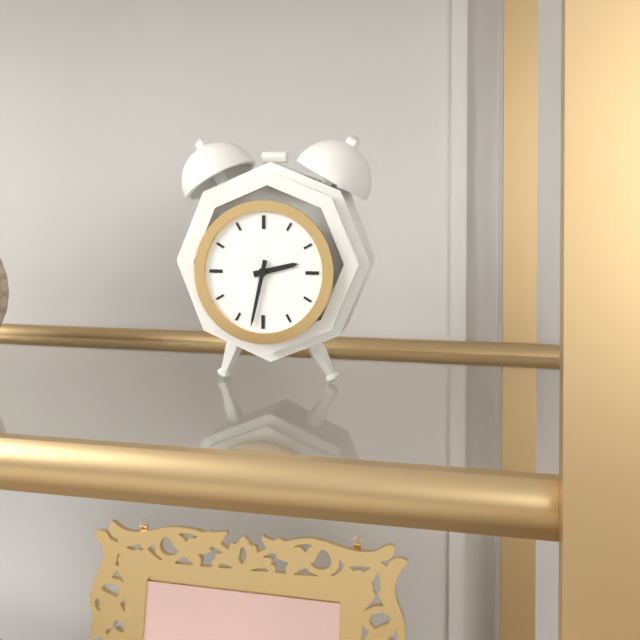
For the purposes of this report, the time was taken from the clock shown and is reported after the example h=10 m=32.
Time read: h=2 m=32
